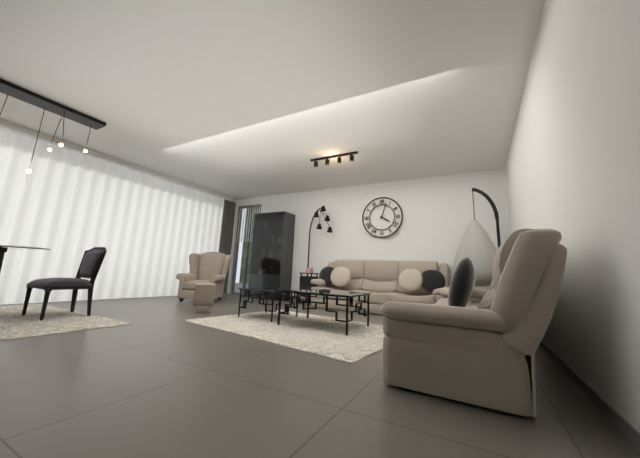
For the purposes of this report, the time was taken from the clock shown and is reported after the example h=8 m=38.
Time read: h=4 m=3
